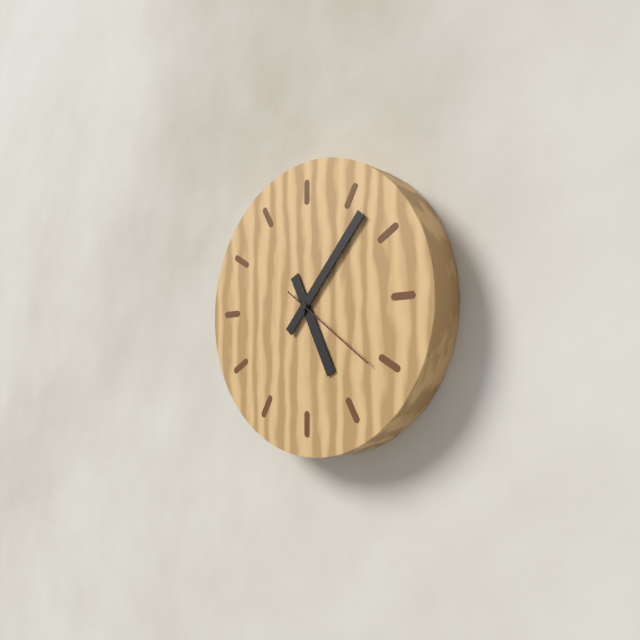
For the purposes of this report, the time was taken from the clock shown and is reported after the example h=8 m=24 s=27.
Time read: h=5 m=7 s=21
